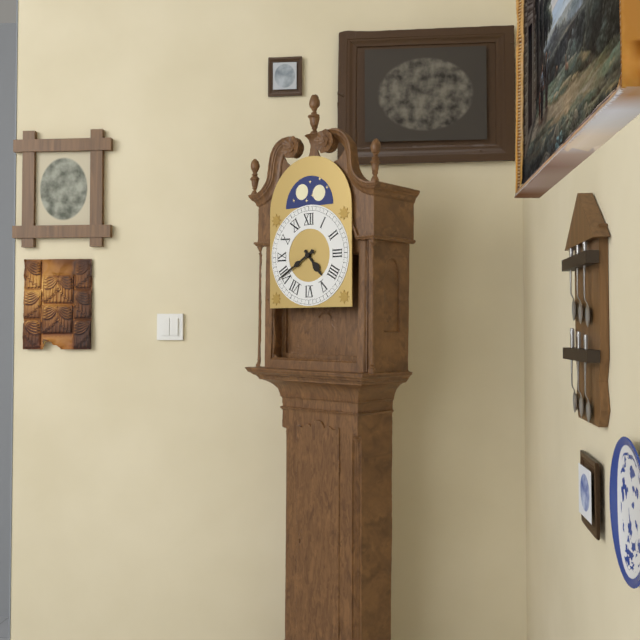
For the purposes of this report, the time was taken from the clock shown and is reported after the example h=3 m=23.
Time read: h=4 m=40
